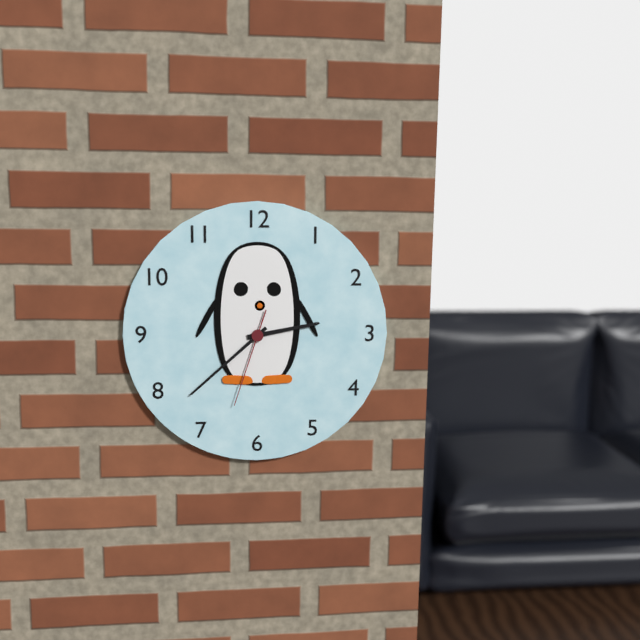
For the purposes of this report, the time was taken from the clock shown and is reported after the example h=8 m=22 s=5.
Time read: h=2 m=38 s=33
